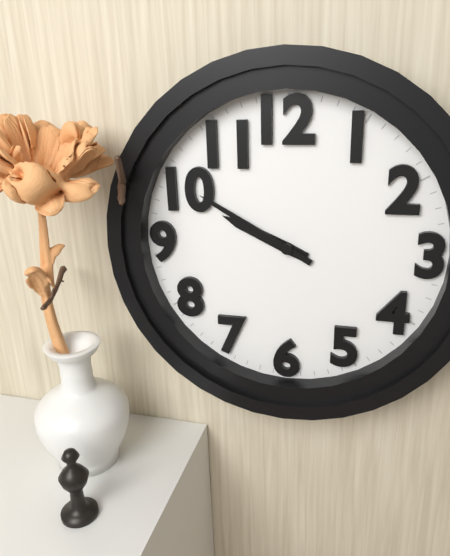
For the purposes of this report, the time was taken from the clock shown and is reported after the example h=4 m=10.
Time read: h=9 m=50
